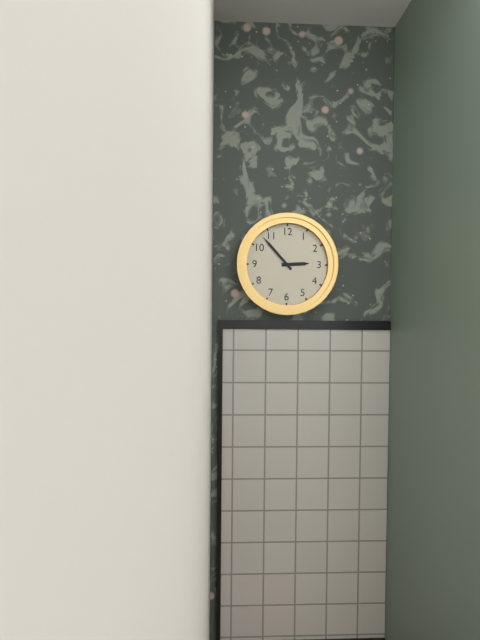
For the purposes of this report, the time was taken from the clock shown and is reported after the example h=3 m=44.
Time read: h=2 m=53
